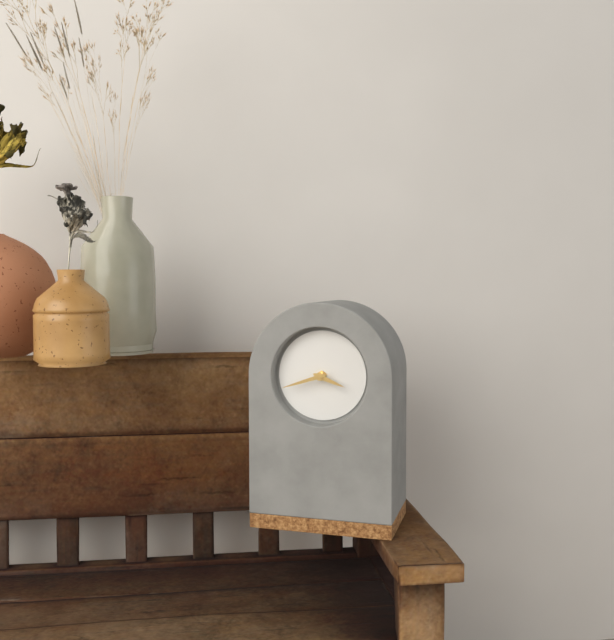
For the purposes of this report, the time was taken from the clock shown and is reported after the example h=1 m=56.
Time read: h=3 m=42
